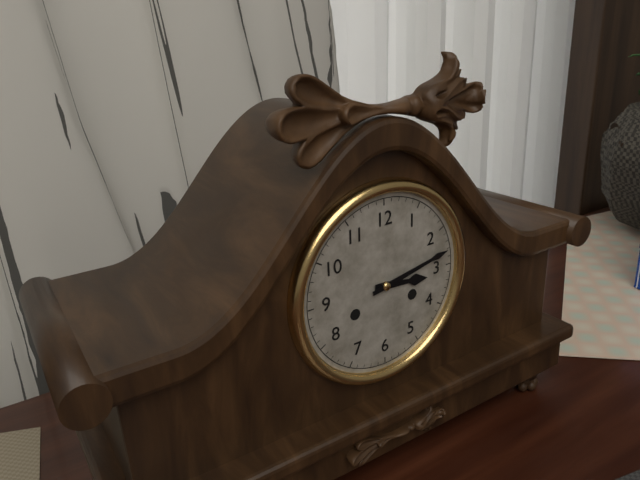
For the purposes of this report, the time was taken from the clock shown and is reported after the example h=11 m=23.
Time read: h=3 m=13
